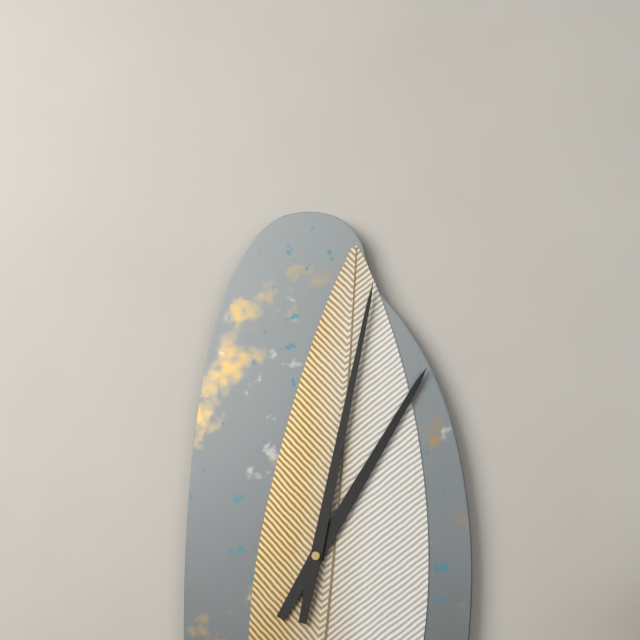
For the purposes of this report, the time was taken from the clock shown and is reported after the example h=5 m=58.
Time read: h=1 m=2
